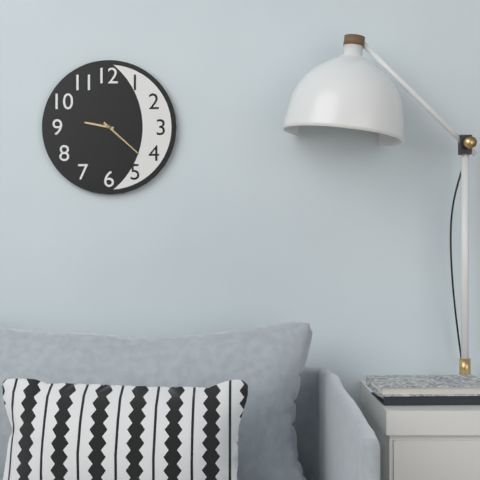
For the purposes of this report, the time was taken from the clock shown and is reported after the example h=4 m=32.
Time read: h=9 m=22
